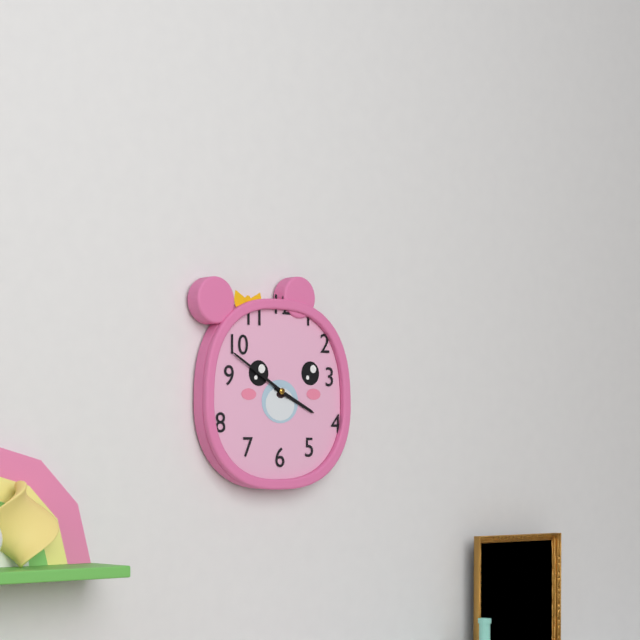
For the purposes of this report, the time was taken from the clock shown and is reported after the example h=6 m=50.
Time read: h=3 m=50
